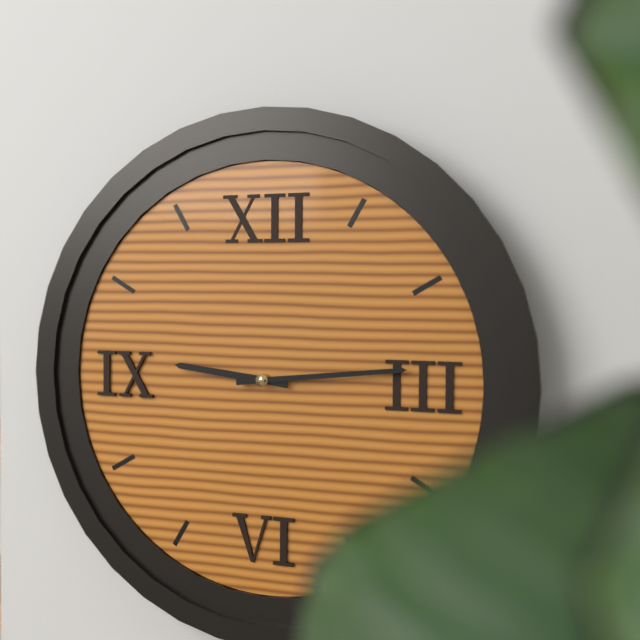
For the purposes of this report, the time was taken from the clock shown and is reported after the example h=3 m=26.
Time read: h=9 m=14
